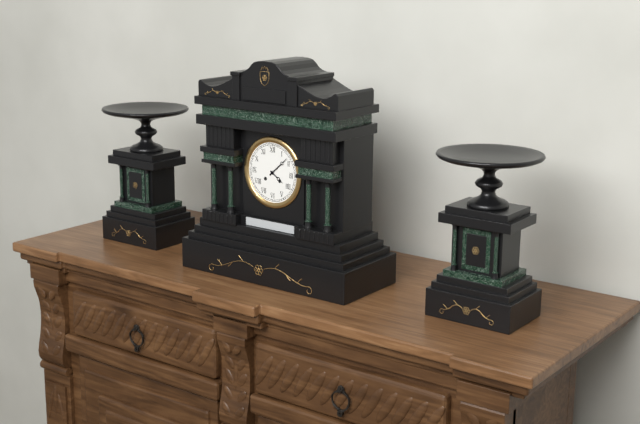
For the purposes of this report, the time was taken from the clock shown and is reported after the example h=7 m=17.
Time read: h=4 m=8
